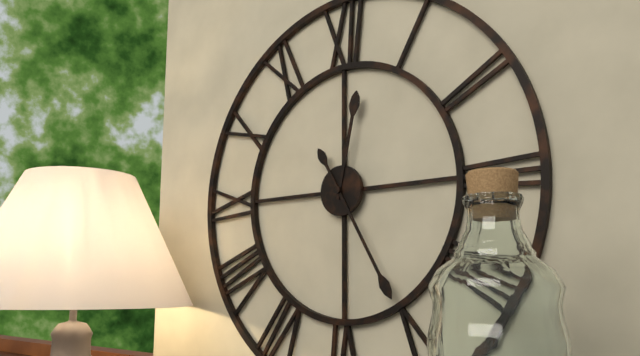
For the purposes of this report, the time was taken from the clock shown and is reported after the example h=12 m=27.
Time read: h=12 m=25
